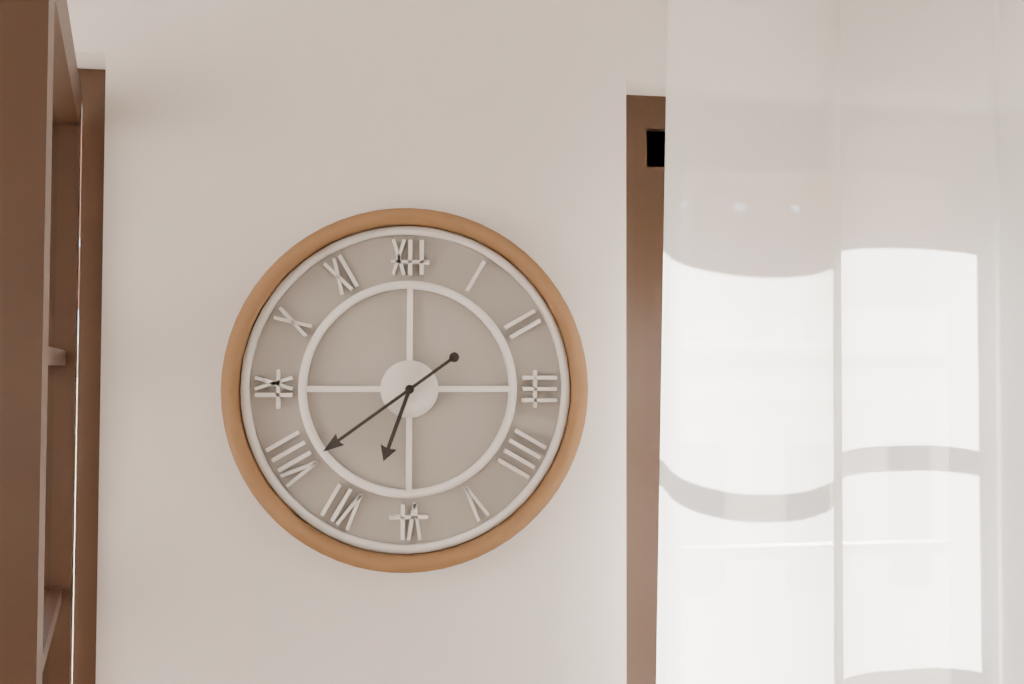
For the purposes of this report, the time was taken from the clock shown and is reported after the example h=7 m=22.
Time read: h=6 m=39
